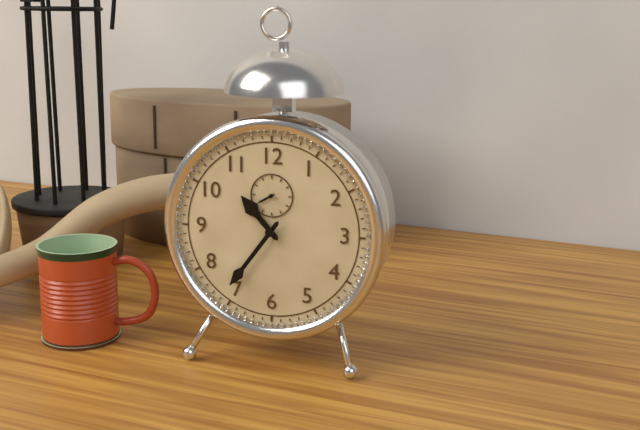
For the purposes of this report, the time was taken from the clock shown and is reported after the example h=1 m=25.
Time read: h=10 m=36
